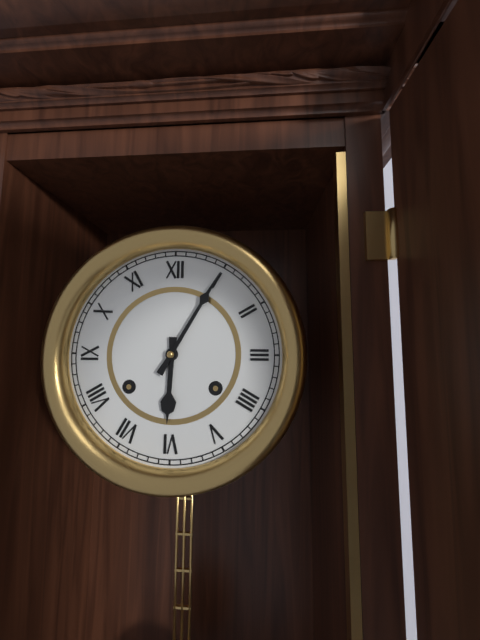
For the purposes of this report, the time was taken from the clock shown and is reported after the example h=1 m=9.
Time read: h=6 m=5
